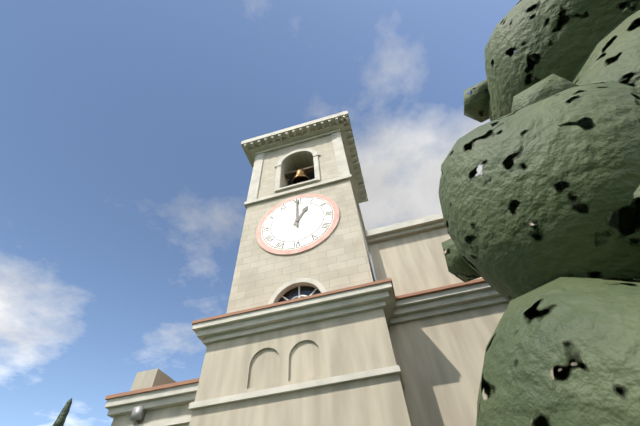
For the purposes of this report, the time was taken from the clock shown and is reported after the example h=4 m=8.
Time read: h=1 m=0
